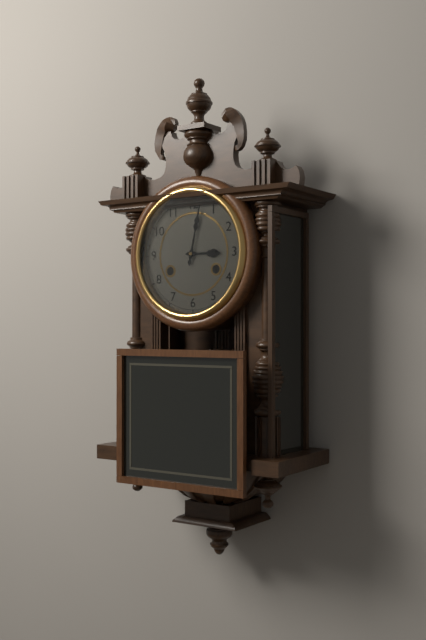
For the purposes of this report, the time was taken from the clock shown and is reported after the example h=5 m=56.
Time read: h=3 m=2
